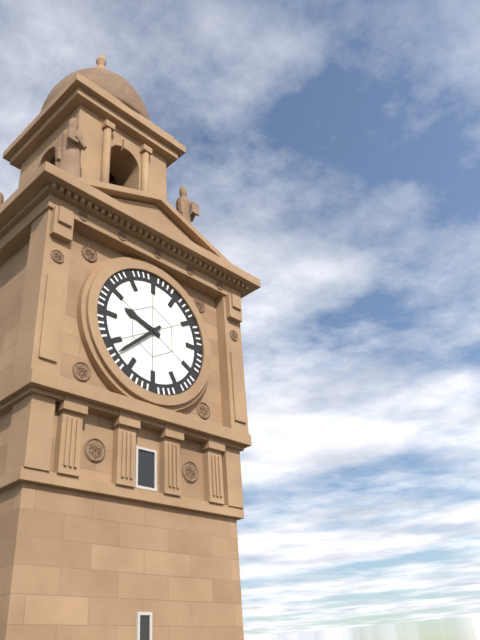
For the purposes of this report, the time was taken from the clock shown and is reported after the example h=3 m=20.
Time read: h=9 m=38
